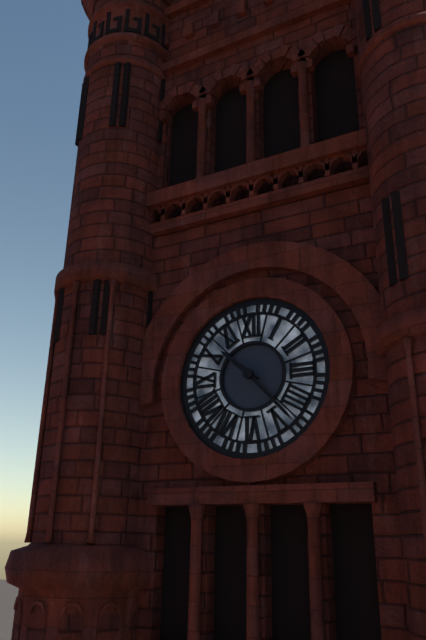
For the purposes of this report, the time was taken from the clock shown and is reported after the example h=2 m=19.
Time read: h=10 m=23
